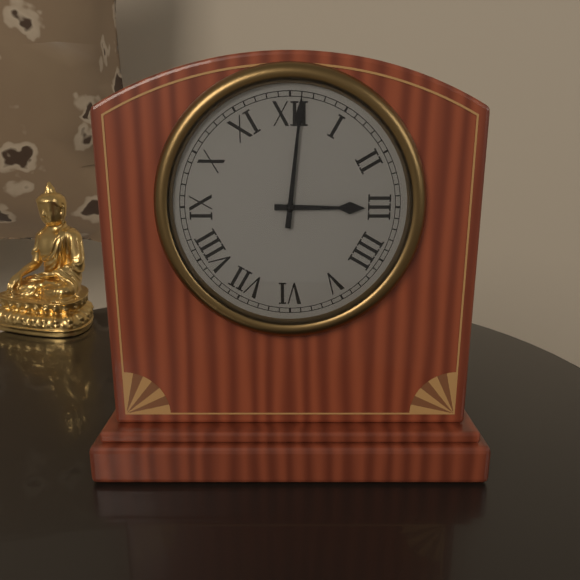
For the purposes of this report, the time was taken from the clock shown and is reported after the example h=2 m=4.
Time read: h=3 m=1
